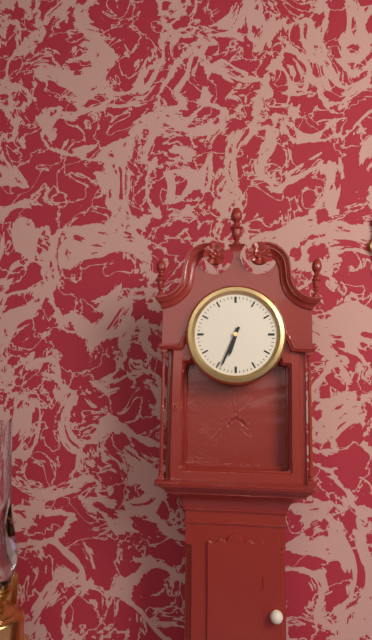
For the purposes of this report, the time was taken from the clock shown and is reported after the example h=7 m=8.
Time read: h=6 m=34
